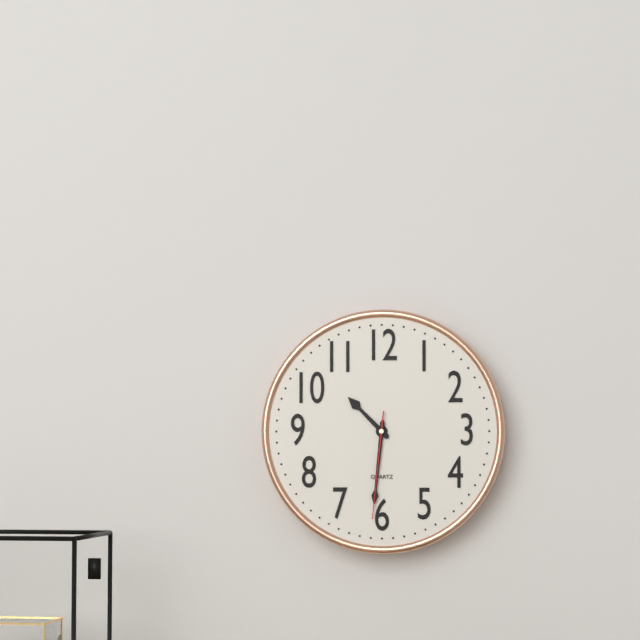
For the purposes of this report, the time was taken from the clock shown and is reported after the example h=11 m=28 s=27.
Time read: h=10 m=31 s=31
